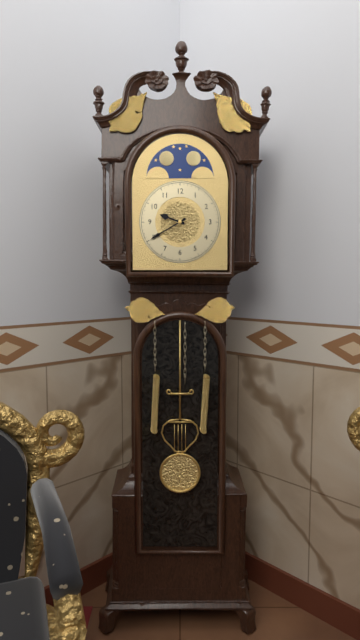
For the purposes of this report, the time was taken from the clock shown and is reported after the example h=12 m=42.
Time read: h=9 m=40
